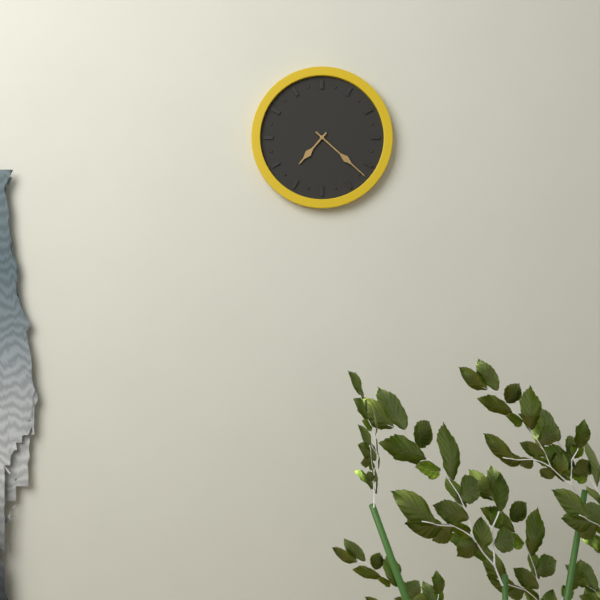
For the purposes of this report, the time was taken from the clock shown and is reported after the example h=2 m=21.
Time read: h=7 m=22
